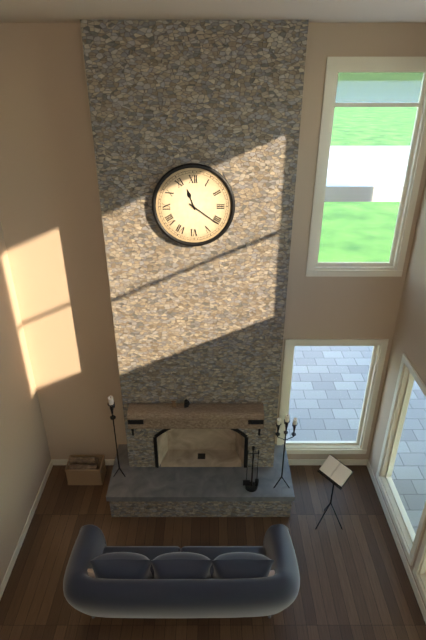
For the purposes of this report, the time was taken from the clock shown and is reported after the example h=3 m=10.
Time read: h=11 m=21
